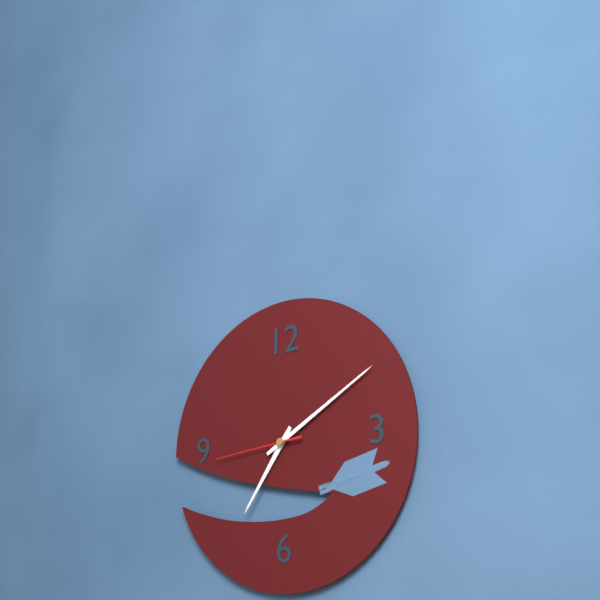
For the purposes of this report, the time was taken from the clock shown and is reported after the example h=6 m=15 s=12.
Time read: h=7 m=10 s=44
